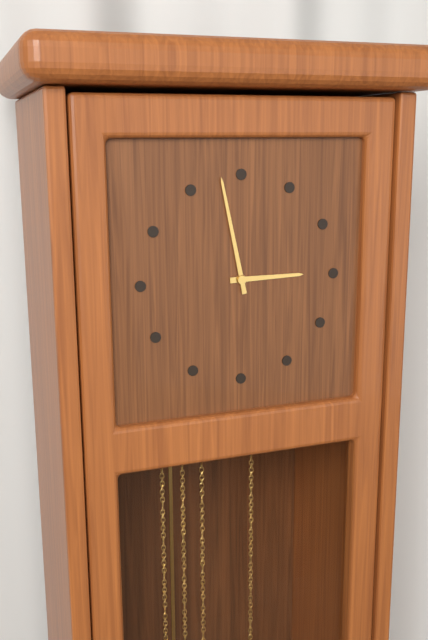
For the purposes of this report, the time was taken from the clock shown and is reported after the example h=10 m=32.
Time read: h=2 m=58
